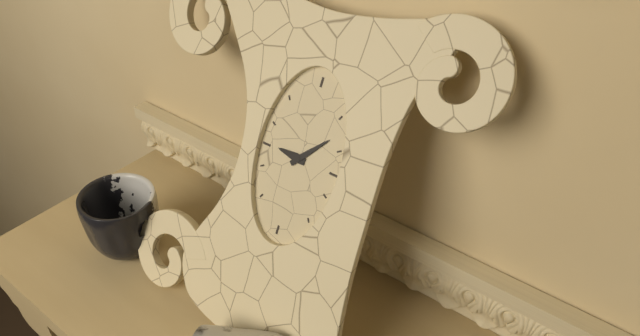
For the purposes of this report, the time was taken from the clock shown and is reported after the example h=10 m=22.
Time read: h=9 m=7
